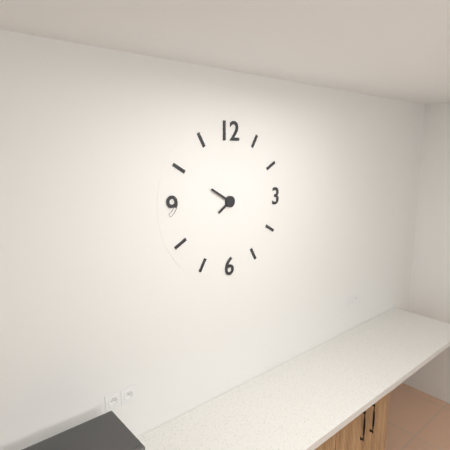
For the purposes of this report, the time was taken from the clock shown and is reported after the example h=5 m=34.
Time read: h=7 m=50
